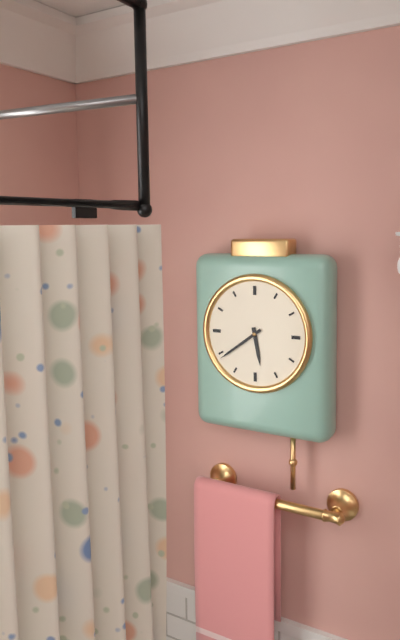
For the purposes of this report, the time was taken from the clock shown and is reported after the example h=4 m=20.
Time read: h=5 m=39
